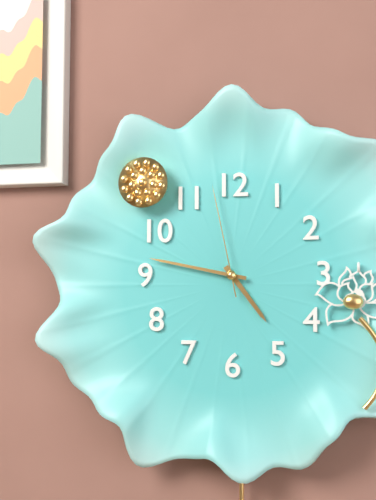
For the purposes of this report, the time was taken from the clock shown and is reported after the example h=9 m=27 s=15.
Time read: h=4 m=47 s=58
